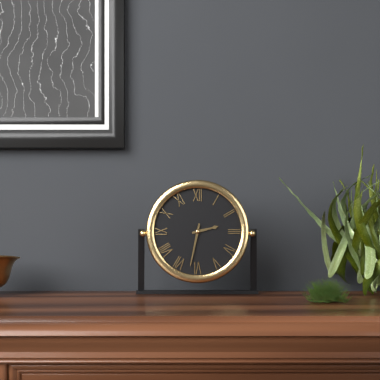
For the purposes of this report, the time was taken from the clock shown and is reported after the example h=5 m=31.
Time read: h=2 m=32
